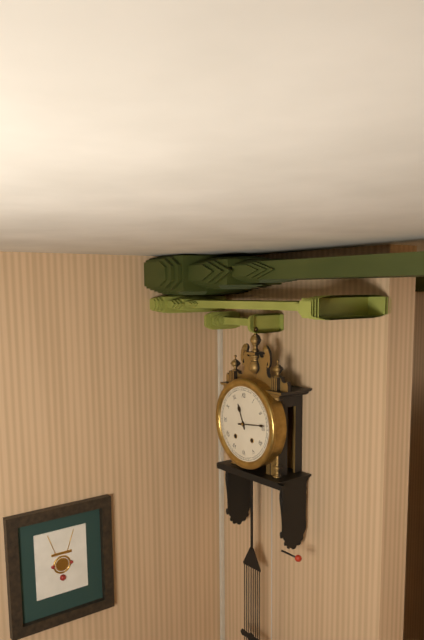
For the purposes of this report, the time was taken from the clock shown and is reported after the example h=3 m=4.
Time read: h=11 m=14
